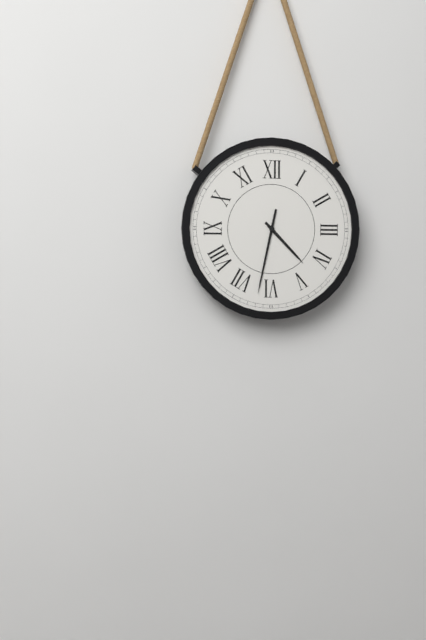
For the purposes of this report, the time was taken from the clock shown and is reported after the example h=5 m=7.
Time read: h=4 m=32
